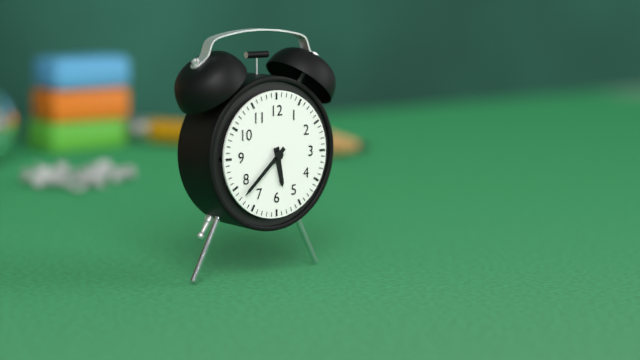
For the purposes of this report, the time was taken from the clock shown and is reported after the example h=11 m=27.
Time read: h=5 m=38
